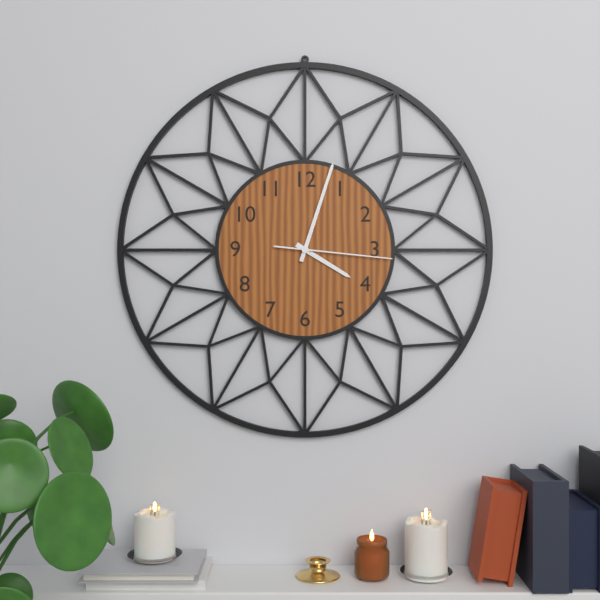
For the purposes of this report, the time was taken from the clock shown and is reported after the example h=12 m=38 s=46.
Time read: h=4 m=3 s=16
